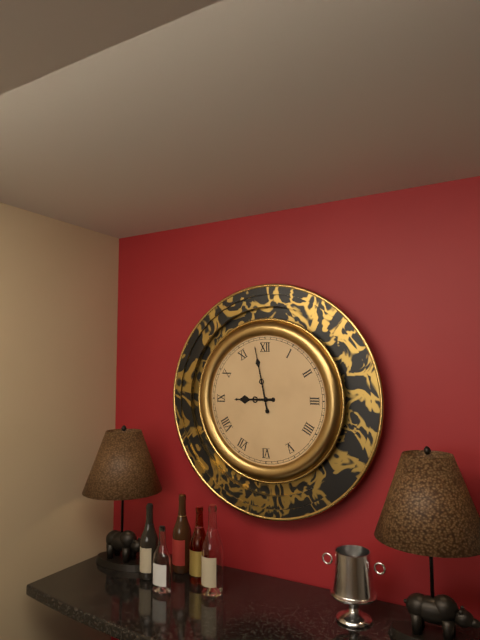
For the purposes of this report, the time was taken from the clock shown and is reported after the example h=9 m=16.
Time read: h=8 m=58
